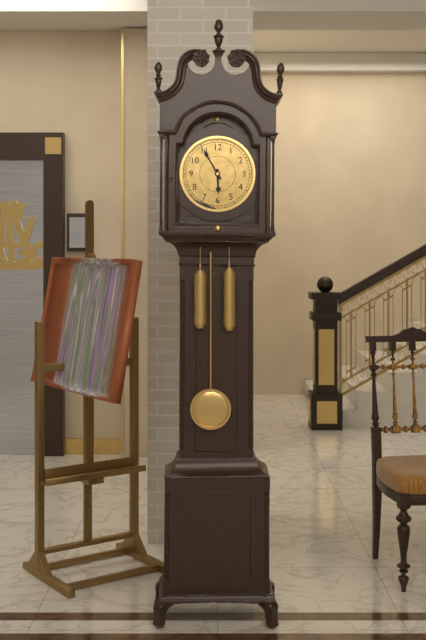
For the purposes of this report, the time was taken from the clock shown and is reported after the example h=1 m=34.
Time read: h=5 m=55
